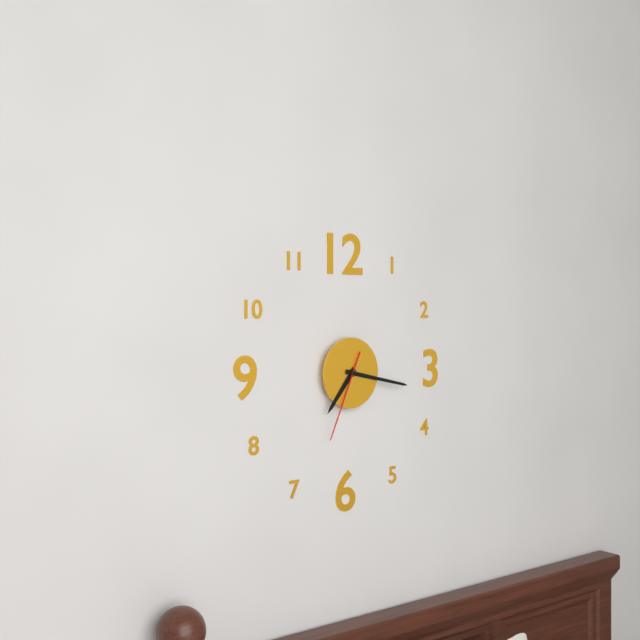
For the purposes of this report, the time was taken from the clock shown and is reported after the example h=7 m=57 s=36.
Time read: h=7 m=17 s=34
